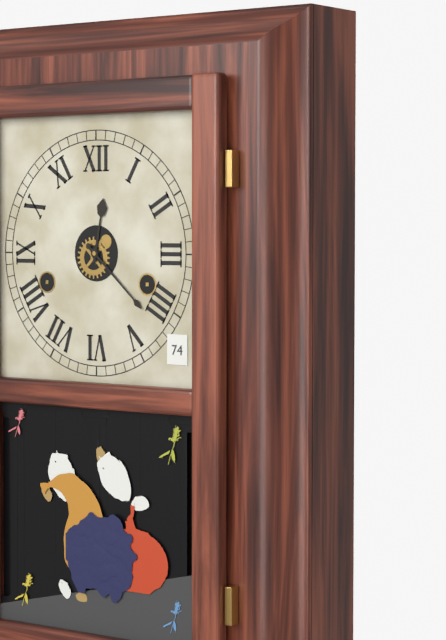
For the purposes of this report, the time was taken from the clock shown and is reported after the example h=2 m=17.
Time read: h=12 m=22
